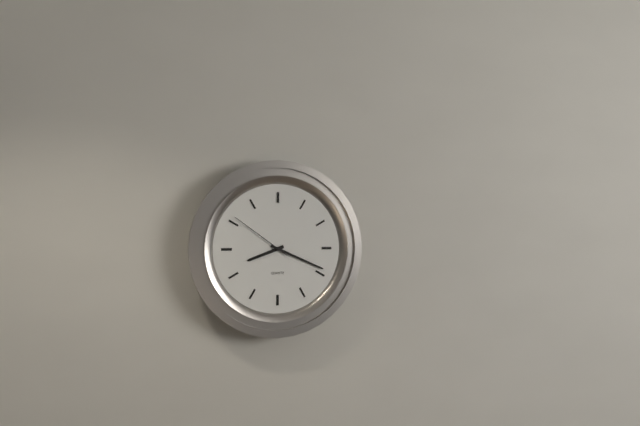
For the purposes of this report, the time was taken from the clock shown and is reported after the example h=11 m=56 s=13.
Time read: h=8 m=19 s=51
